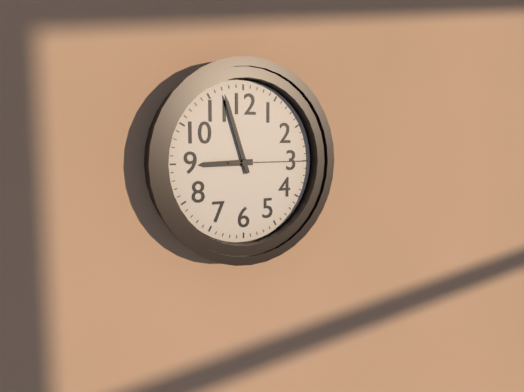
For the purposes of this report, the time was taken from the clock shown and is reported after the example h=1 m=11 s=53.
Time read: h=8 m=57 s=15
